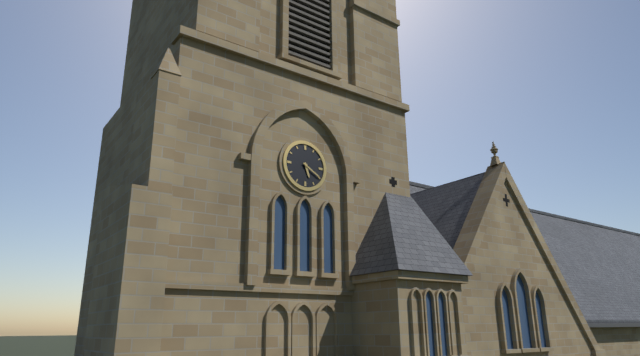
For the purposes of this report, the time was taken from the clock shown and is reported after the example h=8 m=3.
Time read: h=5 m=20
